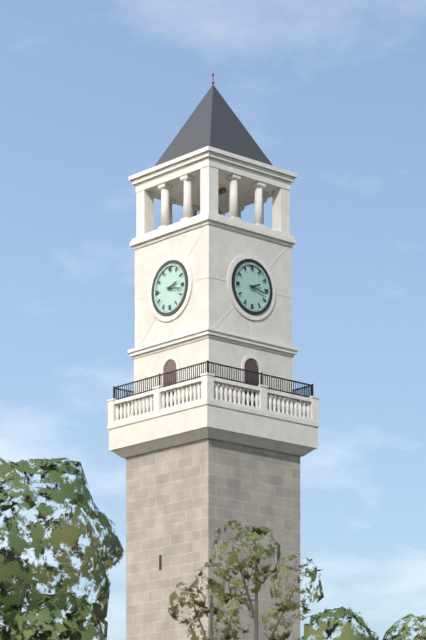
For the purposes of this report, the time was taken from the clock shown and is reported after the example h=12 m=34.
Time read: h=2 m=17
